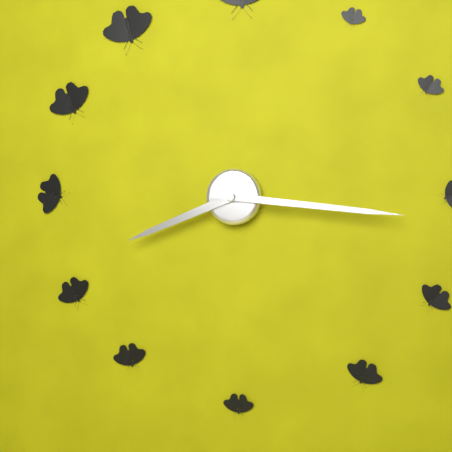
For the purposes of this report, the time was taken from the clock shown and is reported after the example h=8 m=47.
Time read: h=8 m=16
